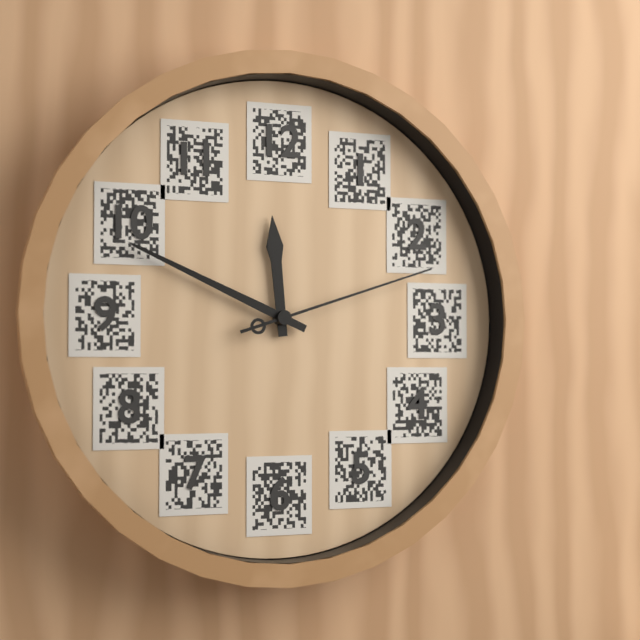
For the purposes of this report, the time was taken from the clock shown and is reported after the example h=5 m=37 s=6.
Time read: h=11 m=49 s=12
